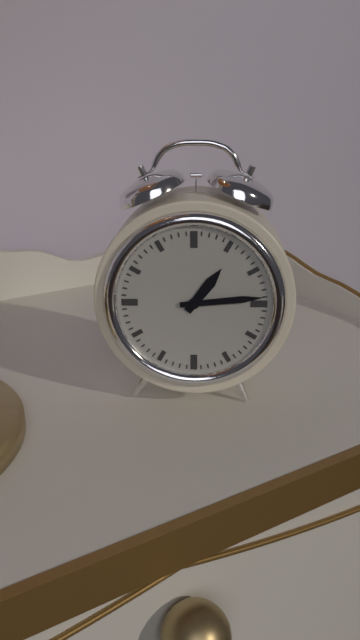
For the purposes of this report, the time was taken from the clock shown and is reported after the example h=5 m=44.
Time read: h=1 m=14
